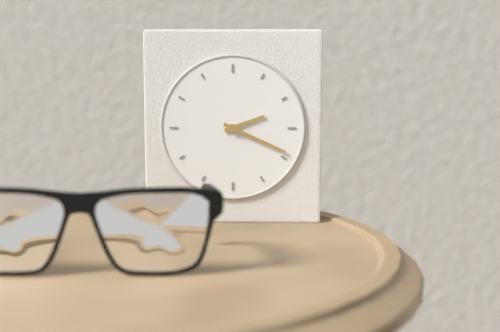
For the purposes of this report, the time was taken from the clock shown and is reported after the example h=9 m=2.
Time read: h=2 m=19
